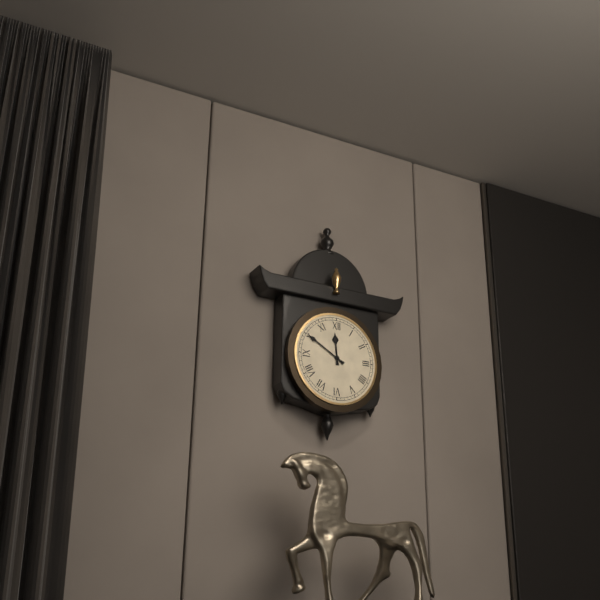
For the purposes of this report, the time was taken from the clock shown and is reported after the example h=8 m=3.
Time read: h=11 m=50
